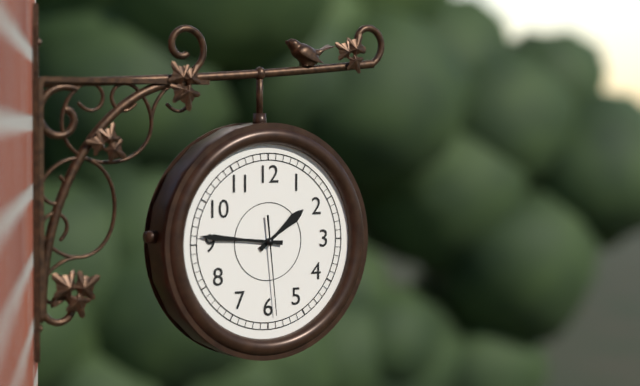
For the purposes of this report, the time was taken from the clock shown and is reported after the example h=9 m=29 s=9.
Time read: h=1 m=46 s=29
